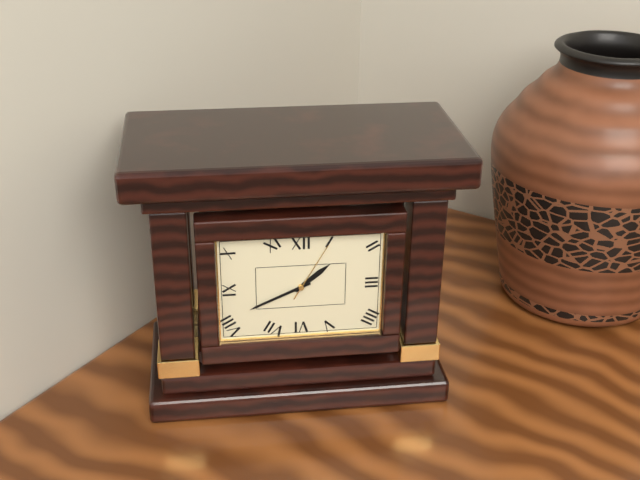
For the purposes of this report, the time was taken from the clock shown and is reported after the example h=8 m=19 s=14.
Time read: h=1 m=41 s=5
